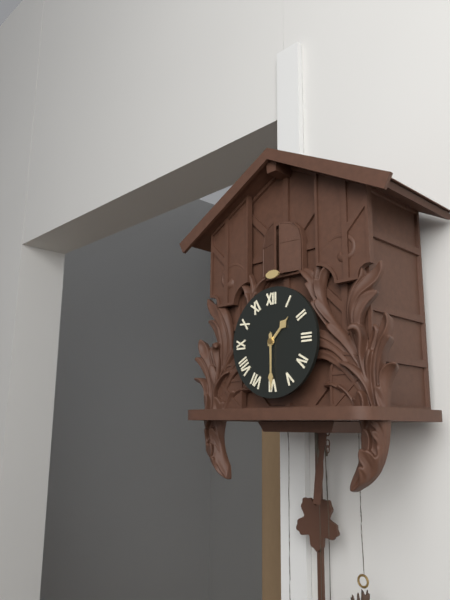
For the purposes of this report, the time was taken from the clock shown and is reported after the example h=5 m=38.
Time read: h=1 m=30
